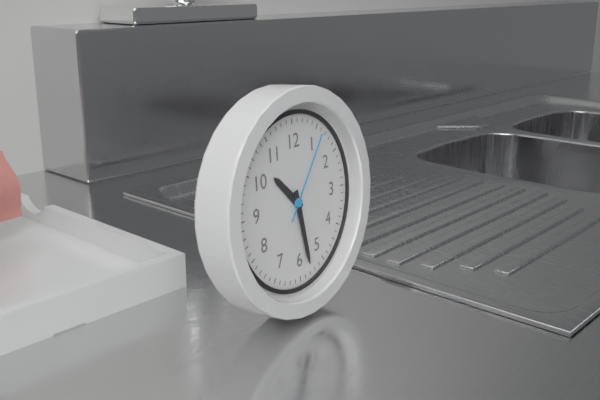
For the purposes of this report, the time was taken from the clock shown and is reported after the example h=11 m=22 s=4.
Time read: h=10 m=28 s=6
